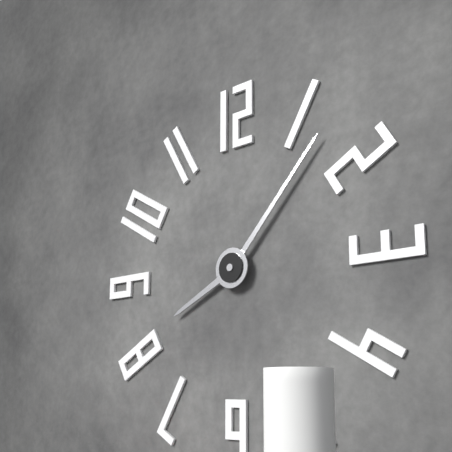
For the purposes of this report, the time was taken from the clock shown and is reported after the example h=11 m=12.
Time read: h=8 m=7
